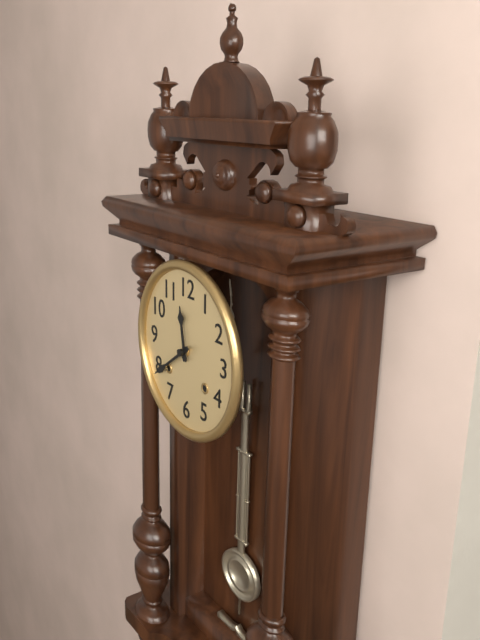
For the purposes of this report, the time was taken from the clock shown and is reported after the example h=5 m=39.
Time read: h=11 m=39
